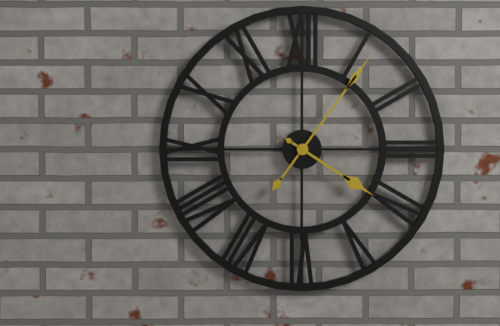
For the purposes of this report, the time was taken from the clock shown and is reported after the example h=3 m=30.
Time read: h=4 m=6
